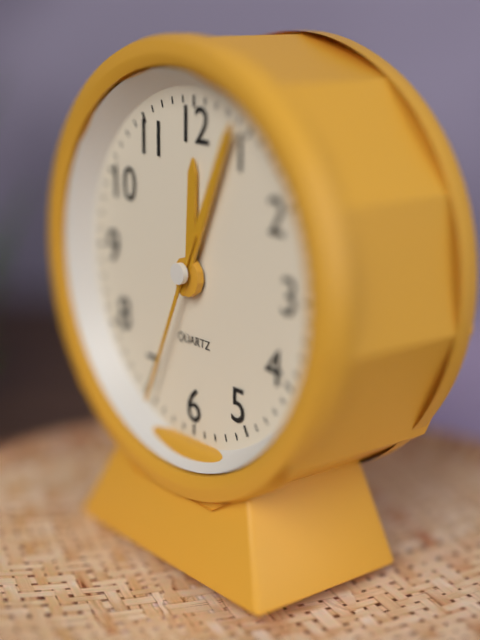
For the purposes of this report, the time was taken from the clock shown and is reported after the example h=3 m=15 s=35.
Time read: h=12 m=4 s=34
